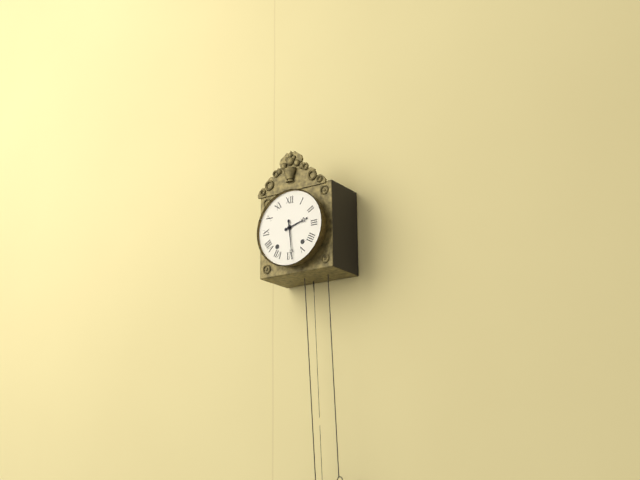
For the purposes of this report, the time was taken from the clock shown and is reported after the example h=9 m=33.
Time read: h=2 m=29
